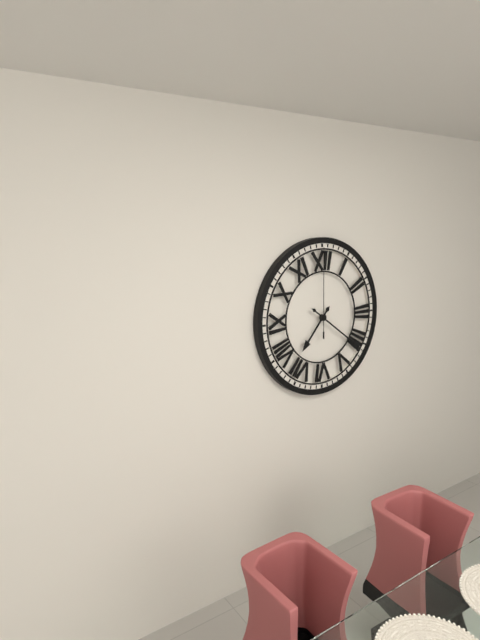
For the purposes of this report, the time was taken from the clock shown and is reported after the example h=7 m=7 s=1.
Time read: h=7 m=21 s=0
